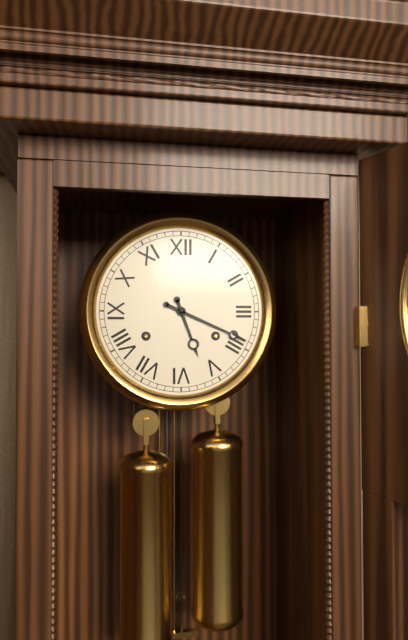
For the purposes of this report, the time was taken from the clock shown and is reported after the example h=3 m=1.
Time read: h=5 m=19
